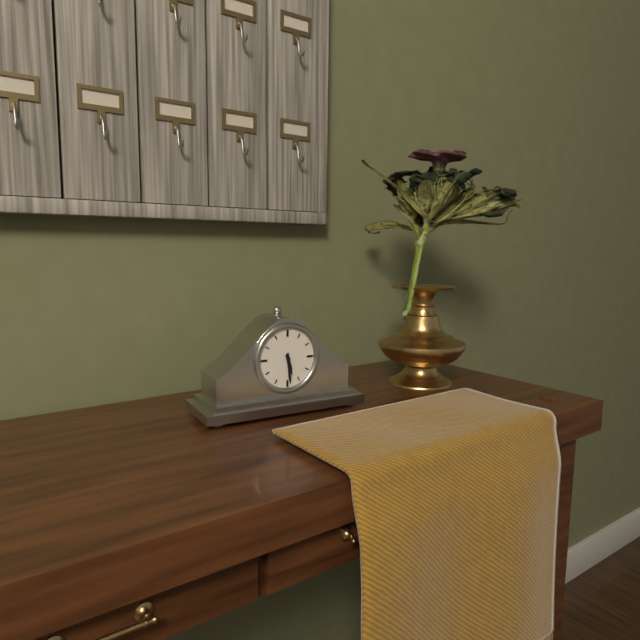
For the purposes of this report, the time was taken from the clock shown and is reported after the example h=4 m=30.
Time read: h=5 m=29
